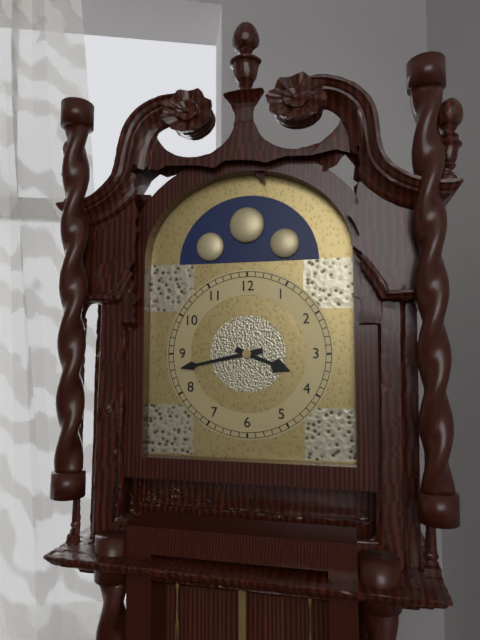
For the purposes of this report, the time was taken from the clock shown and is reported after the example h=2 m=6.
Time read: h=3 m=43
